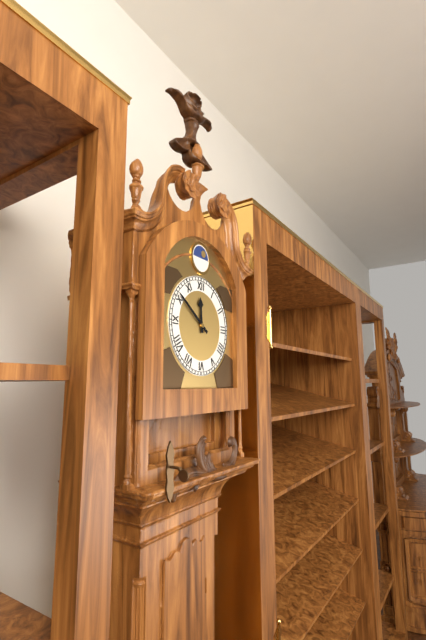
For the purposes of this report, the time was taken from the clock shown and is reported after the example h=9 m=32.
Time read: h=11 m=51
